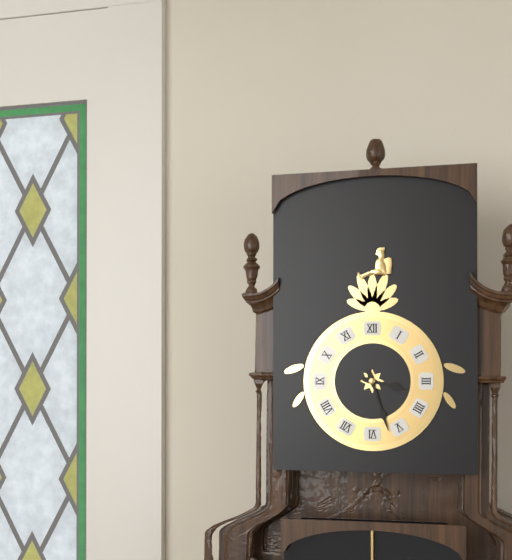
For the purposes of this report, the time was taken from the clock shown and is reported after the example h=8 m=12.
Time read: h=3 m=27
